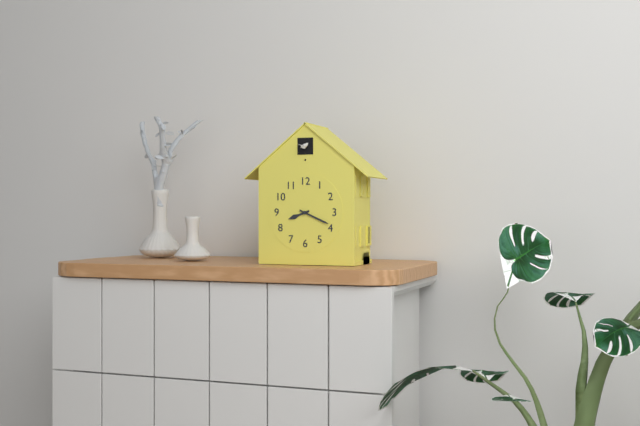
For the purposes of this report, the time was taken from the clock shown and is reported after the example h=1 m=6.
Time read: h=8 m=19
